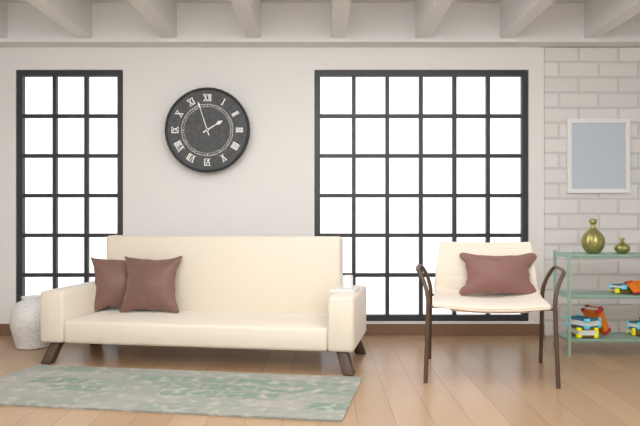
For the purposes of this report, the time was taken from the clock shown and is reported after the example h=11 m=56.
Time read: h=1 m=57
